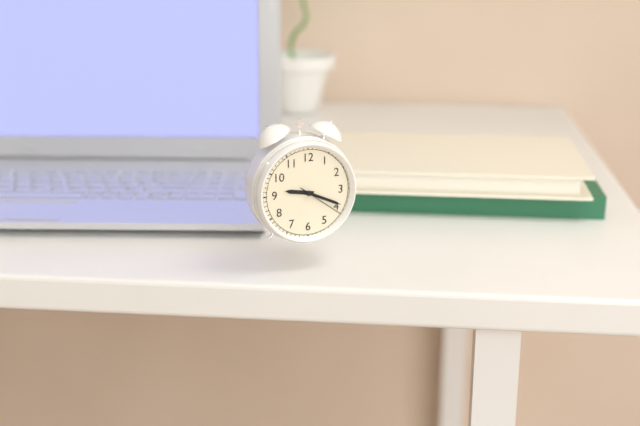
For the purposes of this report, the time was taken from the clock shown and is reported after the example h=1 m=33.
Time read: h=9 m=19
